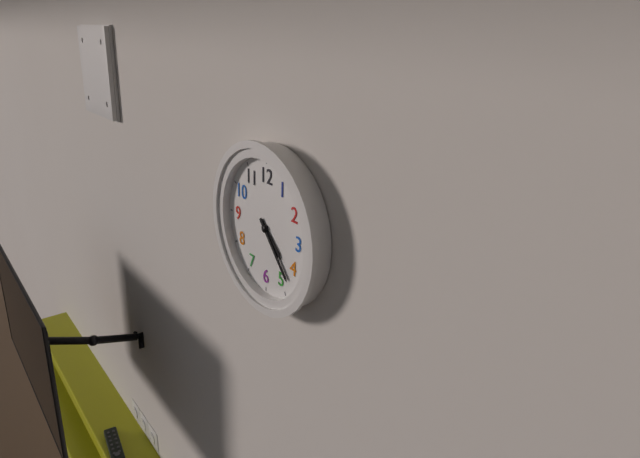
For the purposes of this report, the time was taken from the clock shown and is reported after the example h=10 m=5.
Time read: h=4 m=23
